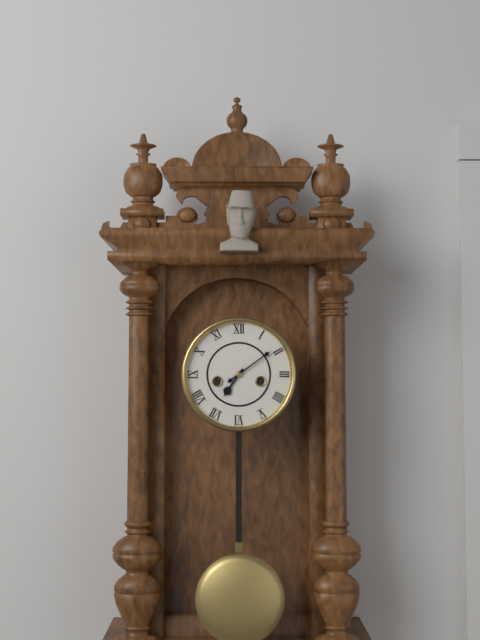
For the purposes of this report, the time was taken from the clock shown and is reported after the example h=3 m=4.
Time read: h=7 m=9
